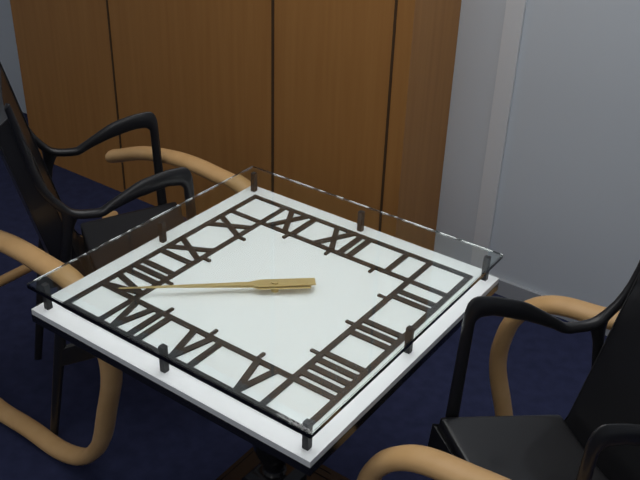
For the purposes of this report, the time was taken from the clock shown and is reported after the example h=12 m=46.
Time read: h=7 m=38
